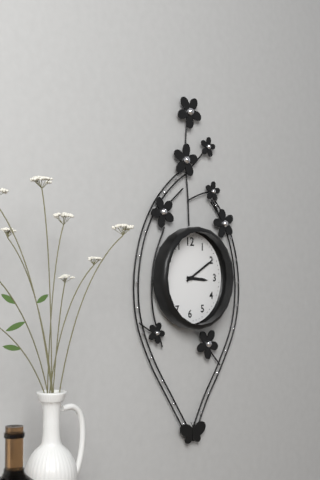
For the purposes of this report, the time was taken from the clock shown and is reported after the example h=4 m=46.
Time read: h=3 m=10
